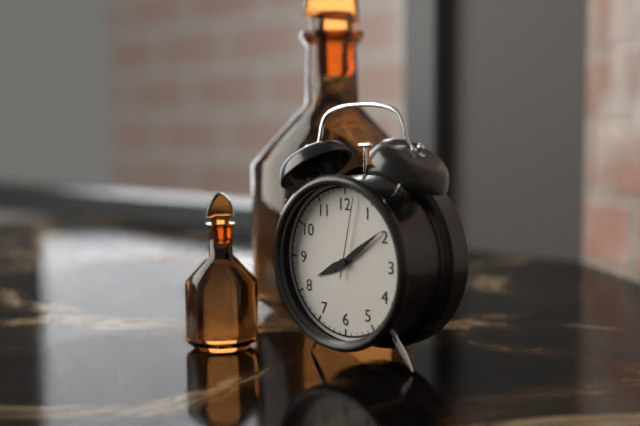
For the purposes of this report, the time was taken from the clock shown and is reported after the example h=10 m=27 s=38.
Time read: h=8 m=9 s=2
